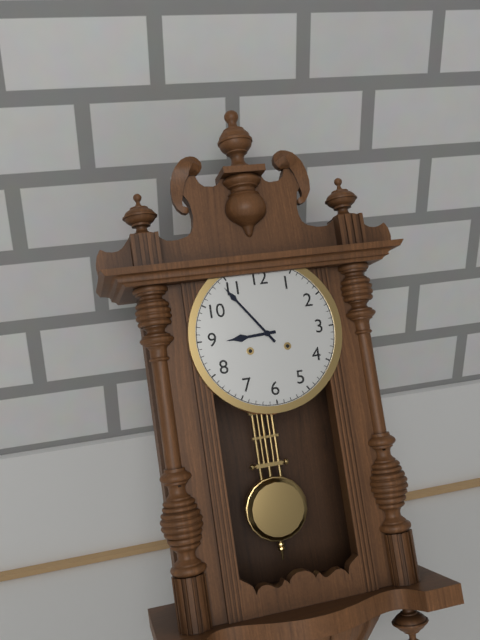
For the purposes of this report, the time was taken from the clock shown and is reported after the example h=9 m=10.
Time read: h=8 m=54
